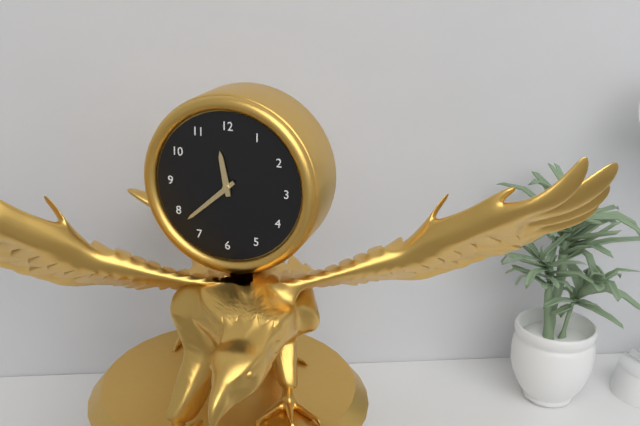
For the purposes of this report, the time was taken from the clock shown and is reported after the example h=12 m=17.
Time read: h=11 m=38
